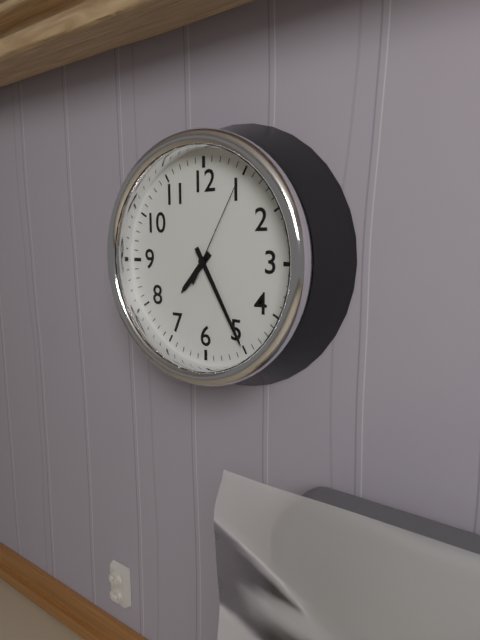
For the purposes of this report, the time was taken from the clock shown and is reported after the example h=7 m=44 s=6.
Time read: h=7 m=25 s=5
